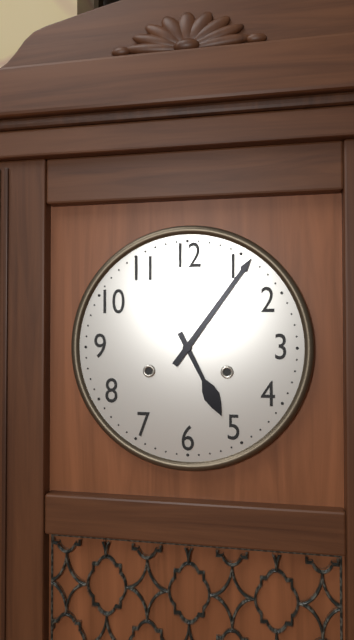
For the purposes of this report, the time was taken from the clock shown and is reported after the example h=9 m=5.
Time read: h=5 m=6
